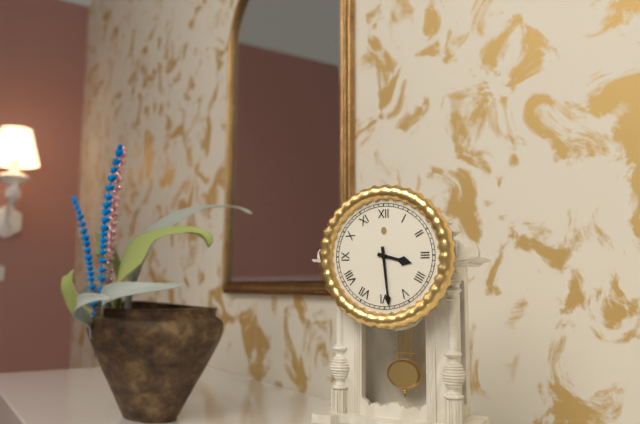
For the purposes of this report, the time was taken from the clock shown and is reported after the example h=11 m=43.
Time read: h=3 m=29
